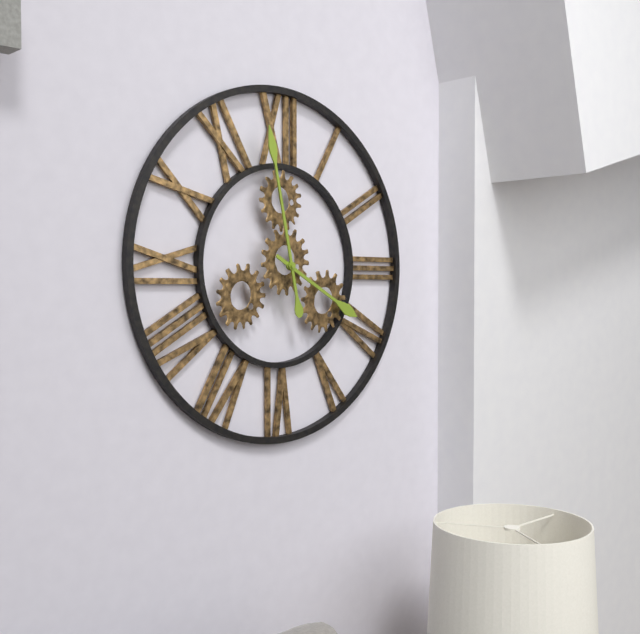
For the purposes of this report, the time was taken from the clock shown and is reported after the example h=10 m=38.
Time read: h=3 m=58
